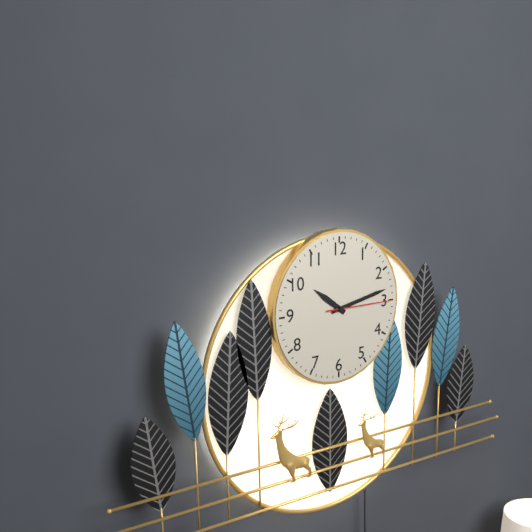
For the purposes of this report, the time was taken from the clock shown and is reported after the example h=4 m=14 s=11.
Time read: h=10 m=13 s=15
